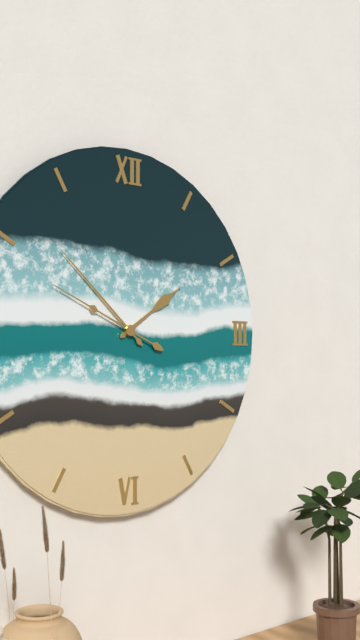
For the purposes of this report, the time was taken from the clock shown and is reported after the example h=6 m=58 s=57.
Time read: h=1 m=52 s=49
